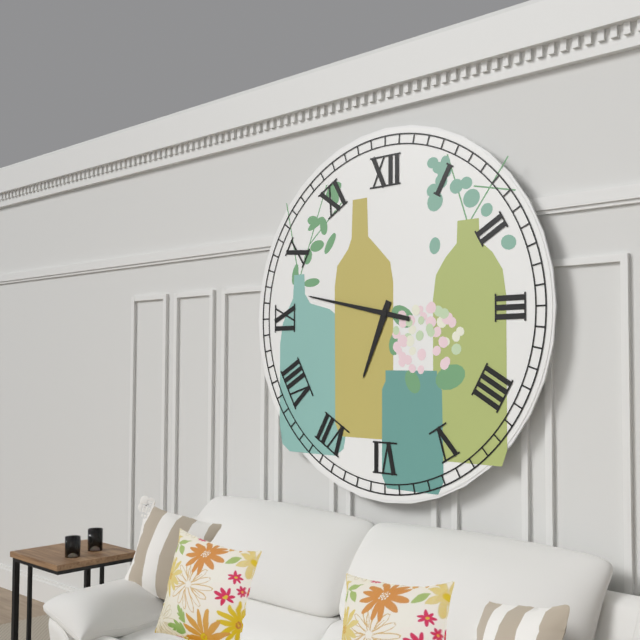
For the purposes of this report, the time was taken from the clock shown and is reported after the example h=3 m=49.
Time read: h=6 m=47
